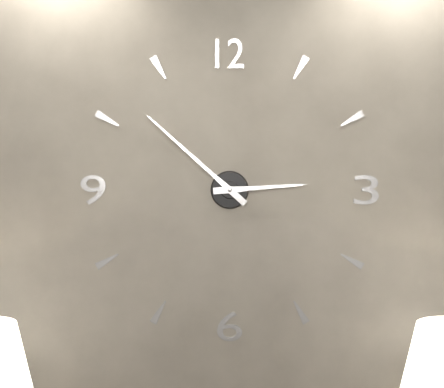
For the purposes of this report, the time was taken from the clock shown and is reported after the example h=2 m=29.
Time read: h=2 m=52
